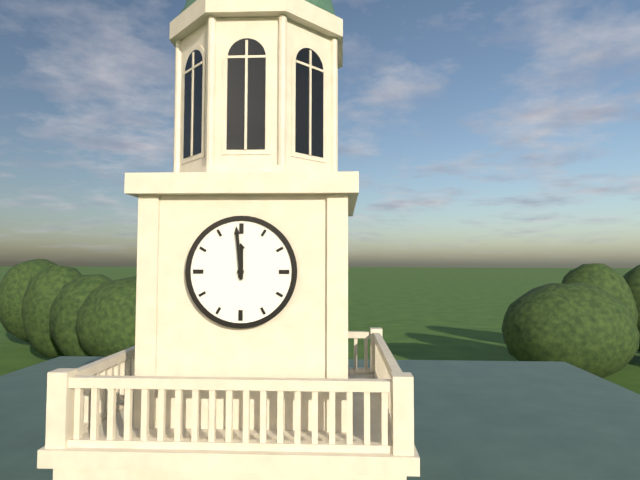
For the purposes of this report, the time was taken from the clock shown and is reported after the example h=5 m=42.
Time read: h=11 m=59
